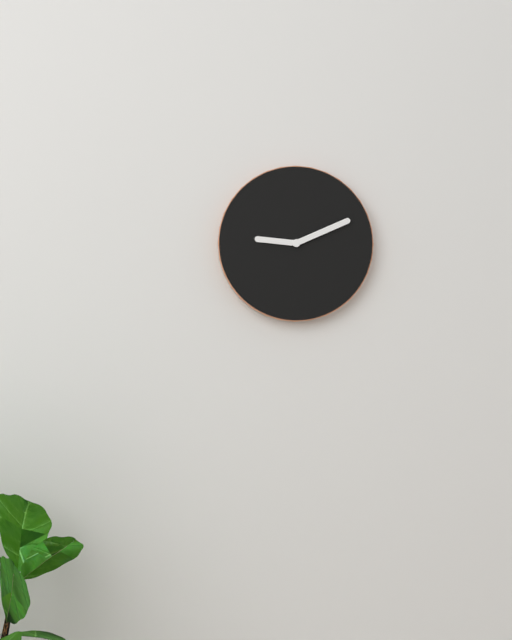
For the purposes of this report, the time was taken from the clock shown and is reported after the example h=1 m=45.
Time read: h=9 m=11
